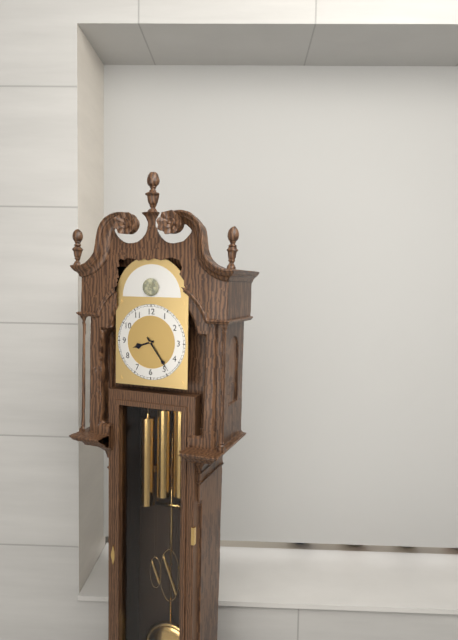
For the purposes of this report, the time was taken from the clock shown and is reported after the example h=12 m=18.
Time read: h=8 m=24
